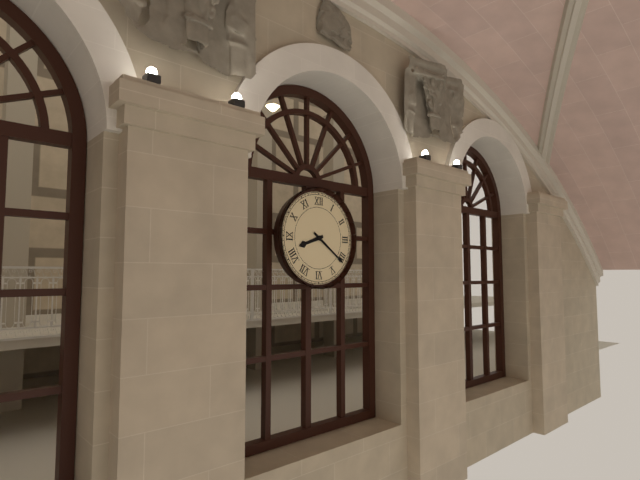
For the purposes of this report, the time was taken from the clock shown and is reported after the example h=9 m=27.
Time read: h=8 m=21
